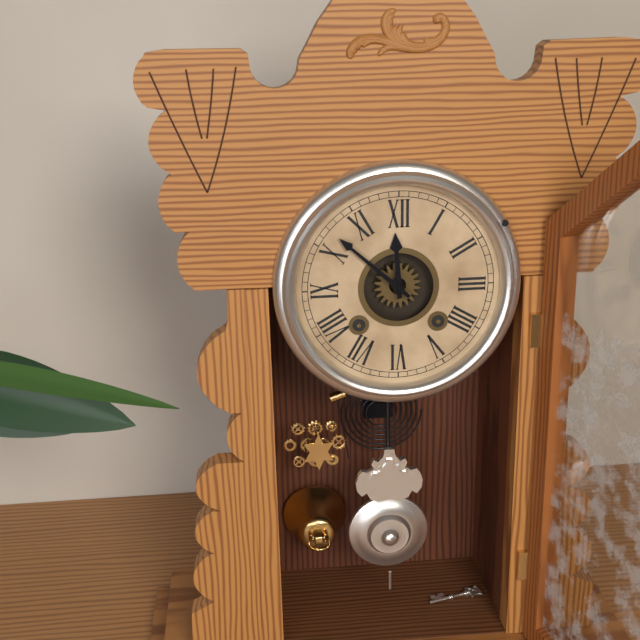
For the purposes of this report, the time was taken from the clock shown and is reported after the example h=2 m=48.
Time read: h=11 m=52
